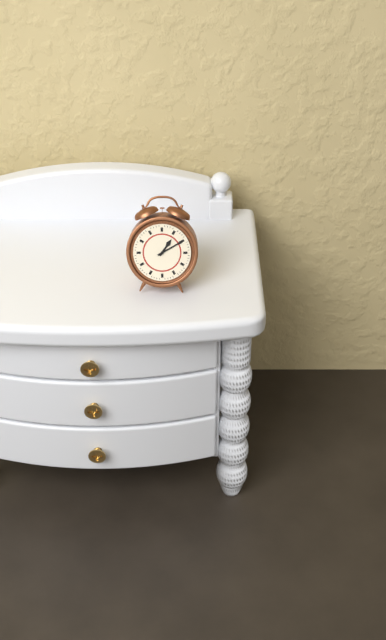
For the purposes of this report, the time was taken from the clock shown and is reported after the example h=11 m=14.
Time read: h=1 m=10
